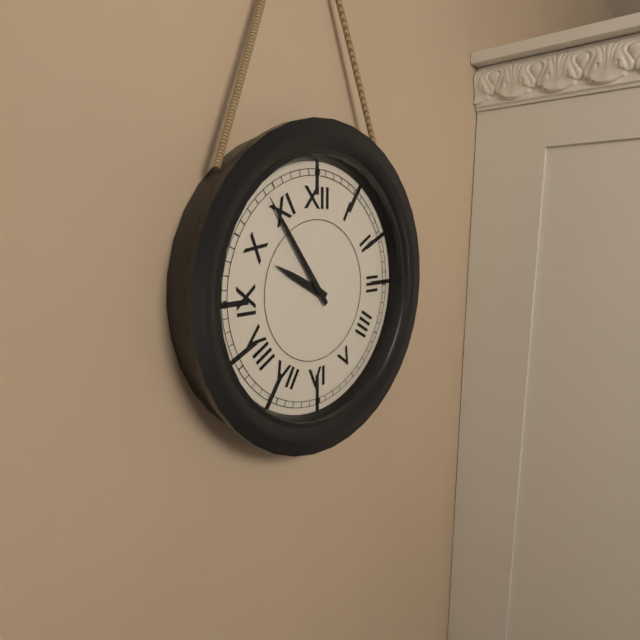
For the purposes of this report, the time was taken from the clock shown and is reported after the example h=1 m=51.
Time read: h=9 m=54
